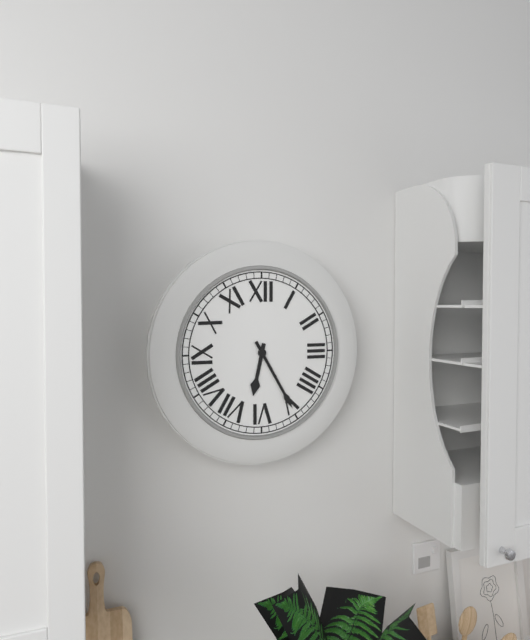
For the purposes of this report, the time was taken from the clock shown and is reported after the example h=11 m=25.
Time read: h=6 m=25
